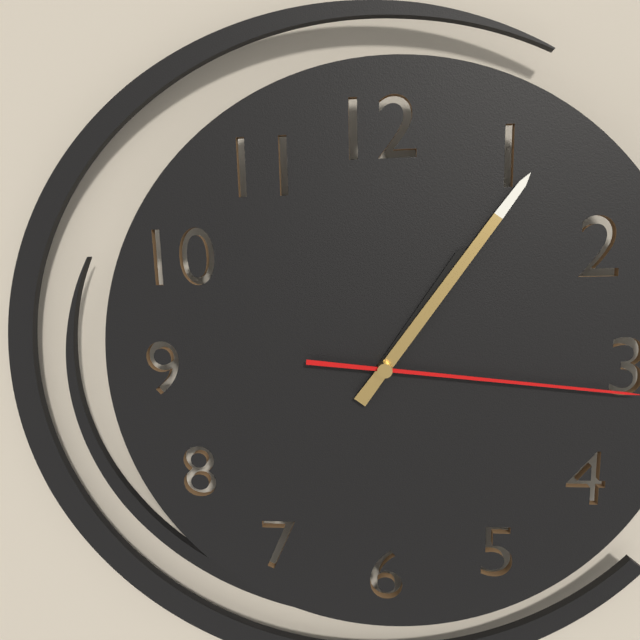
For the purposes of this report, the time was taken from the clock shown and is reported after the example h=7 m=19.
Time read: h=1 m=6
